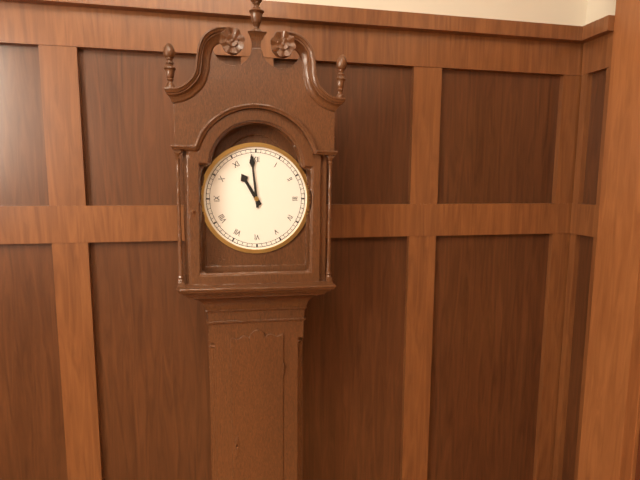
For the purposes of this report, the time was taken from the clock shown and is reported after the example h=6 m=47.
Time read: h=10 m=59
